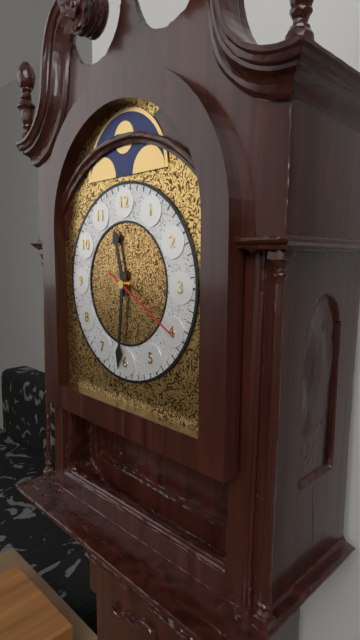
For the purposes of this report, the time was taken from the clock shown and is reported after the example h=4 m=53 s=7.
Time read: h=11 m=31 s=20
